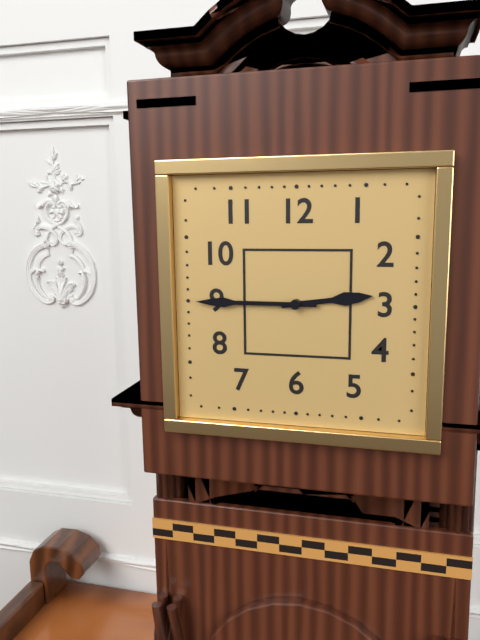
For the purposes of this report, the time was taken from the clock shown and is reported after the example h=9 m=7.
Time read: h=2 m=45
